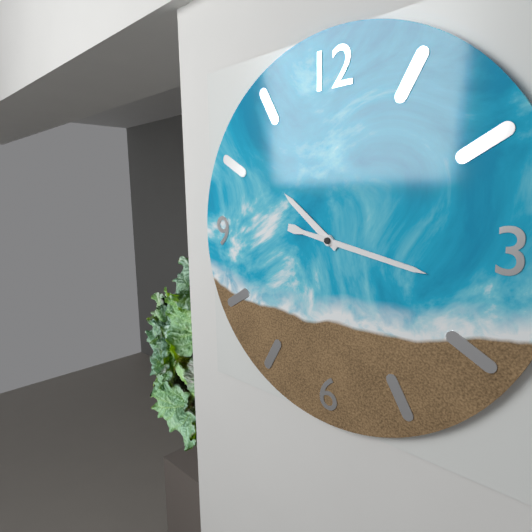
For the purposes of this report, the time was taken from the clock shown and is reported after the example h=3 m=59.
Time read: h=10 m=17
